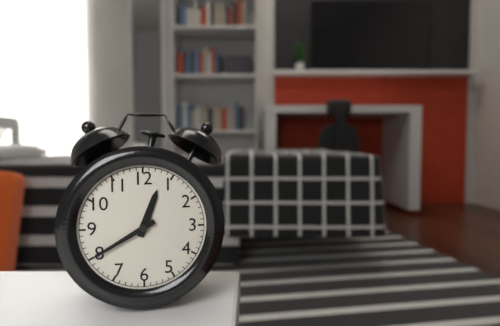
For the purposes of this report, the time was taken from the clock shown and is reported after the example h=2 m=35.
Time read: h=12 m=40
